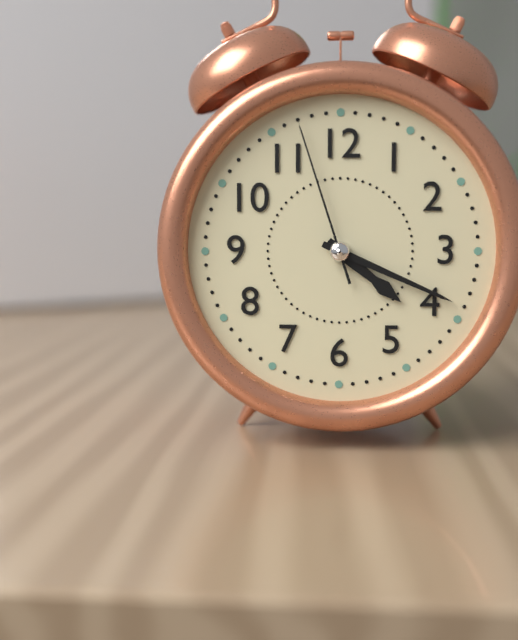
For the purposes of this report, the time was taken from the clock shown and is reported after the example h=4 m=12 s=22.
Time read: h=4 m=19 s=57
